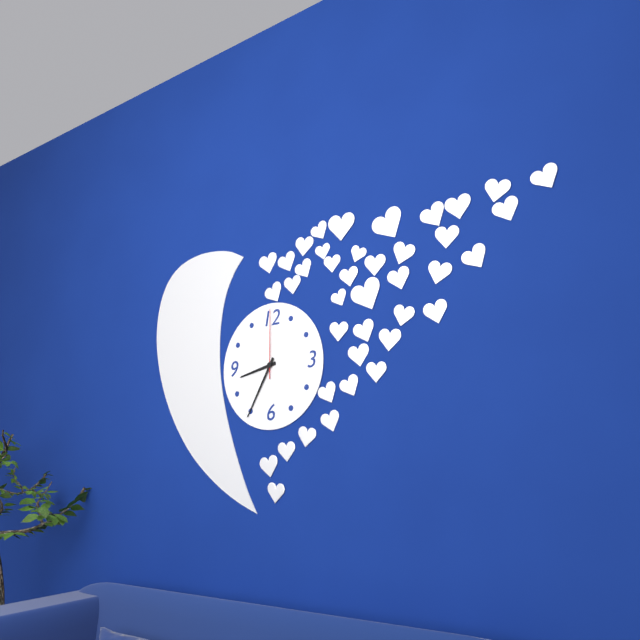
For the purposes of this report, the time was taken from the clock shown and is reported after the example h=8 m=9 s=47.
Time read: h=8 m=35 s=0
